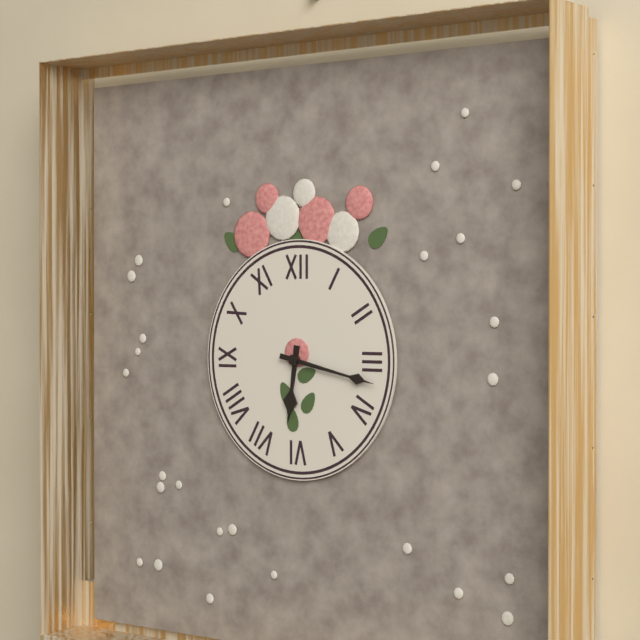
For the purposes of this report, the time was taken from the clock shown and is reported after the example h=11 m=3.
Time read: h=6 m=17
